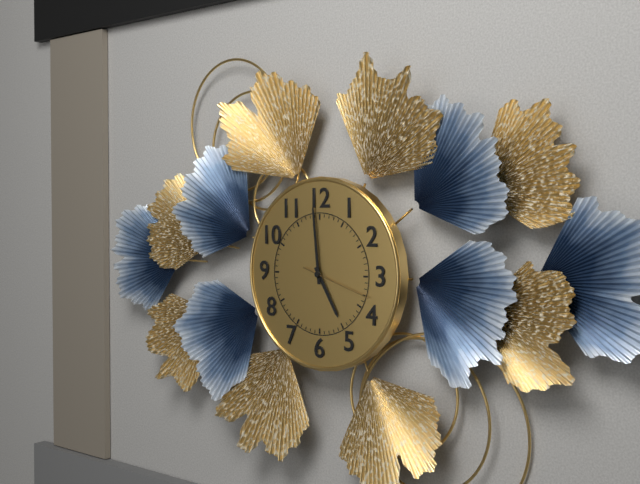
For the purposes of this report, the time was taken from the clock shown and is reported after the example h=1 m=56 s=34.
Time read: h=4 m=59 s=18
